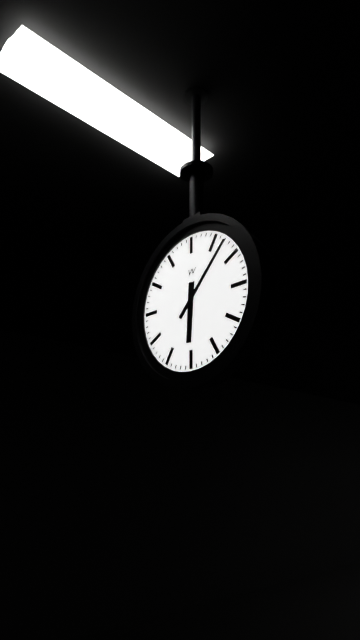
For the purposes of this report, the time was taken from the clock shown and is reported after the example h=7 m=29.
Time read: h=6 m=7
